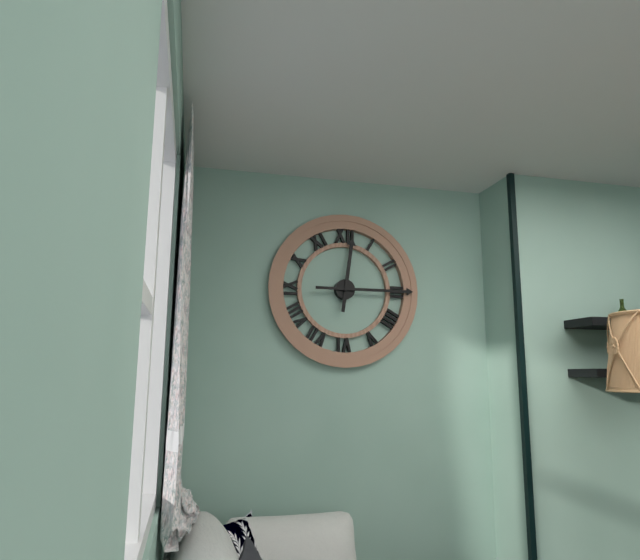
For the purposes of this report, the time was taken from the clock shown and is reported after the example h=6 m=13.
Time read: h=12 m=15
